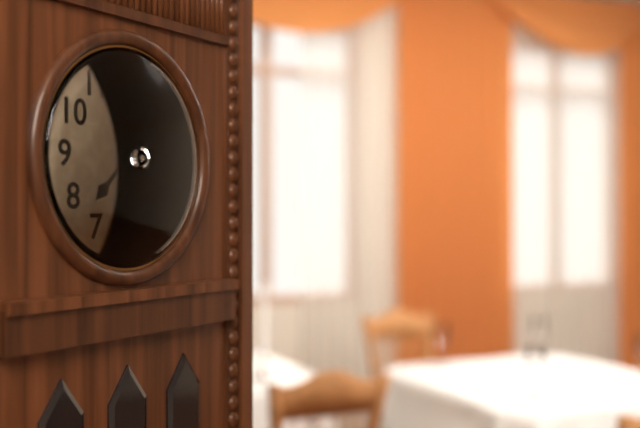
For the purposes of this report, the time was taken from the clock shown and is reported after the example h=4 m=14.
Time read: h=7 m=29
